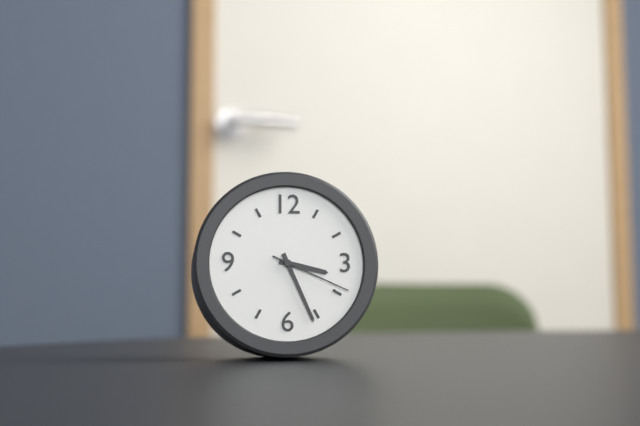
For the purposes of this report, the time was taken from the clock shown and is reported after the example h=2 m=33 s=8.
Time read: h=3 m=26 s=19
